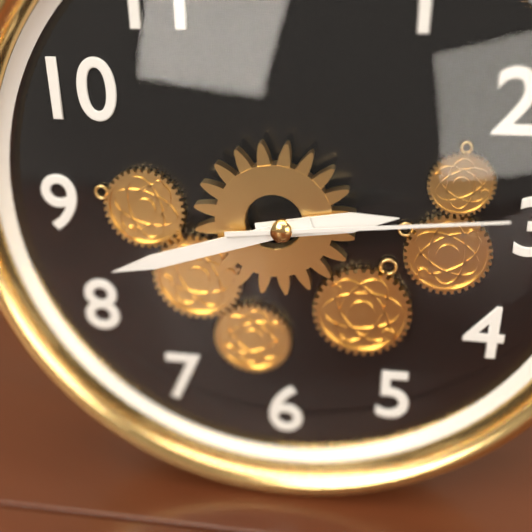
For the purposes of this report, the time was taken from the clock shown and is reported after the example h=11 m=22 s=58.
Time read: h=2 m=42 s=14
